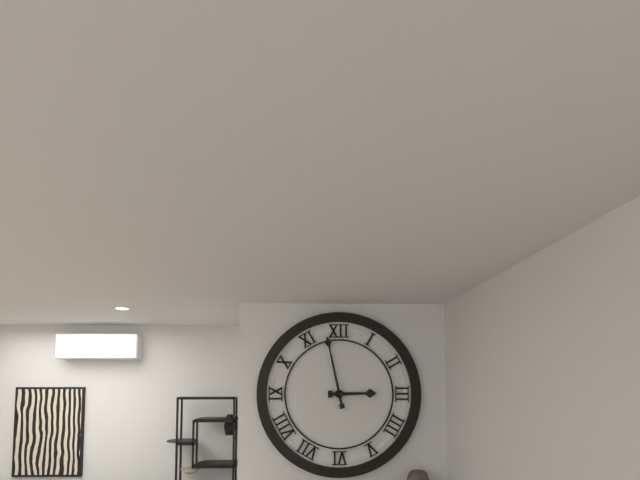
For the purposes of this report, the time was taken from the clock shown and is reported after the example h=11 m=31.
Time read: h=2 m=58
